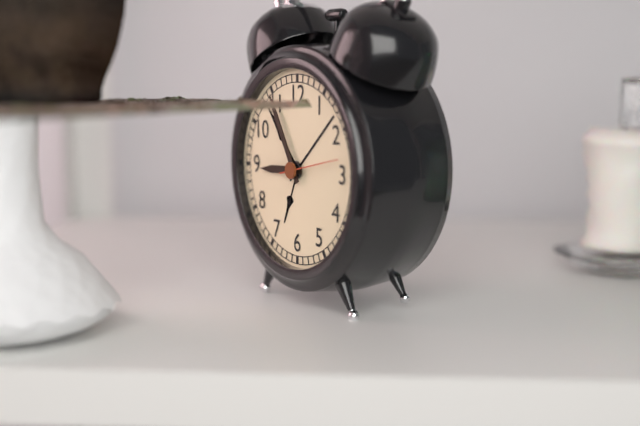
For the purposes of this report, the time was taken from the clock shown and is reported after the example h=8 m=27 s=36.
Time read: h=8 m=55 s=13
